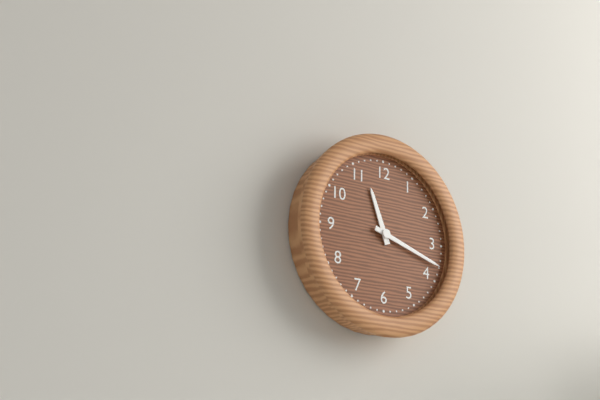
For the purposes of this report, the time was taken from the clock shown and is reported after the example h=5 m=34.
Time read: h=11 m=18
